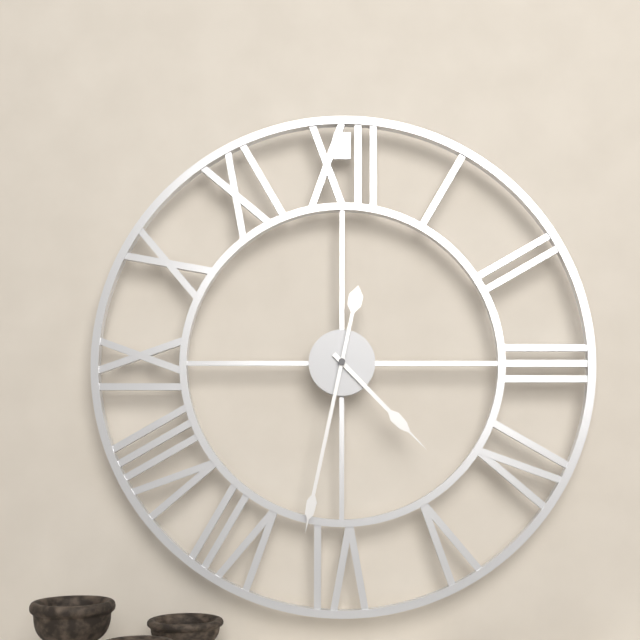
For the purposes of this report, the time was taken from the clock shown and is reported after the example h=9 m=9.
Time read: h=4 m=32
